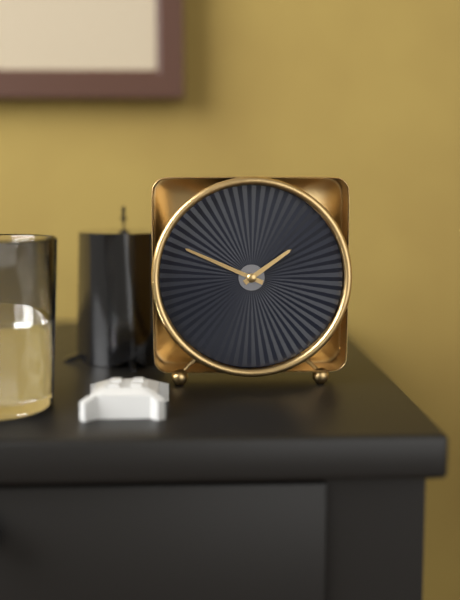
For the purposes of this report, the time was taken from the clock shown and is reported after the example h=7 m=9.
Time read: h=1 m=49
